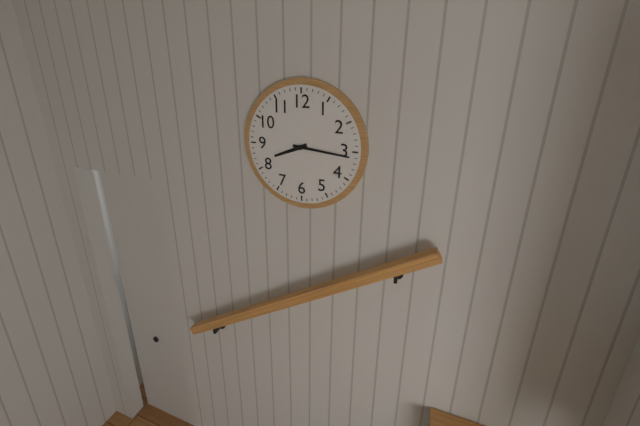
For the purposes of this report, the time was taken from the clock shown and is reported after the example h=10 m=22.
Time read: h=8 m=16
